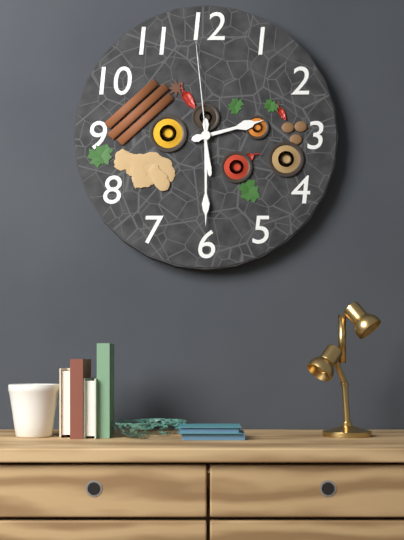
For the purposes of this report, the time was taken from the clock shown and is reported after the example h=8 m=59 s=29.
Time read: h=2 m=30 s=59
